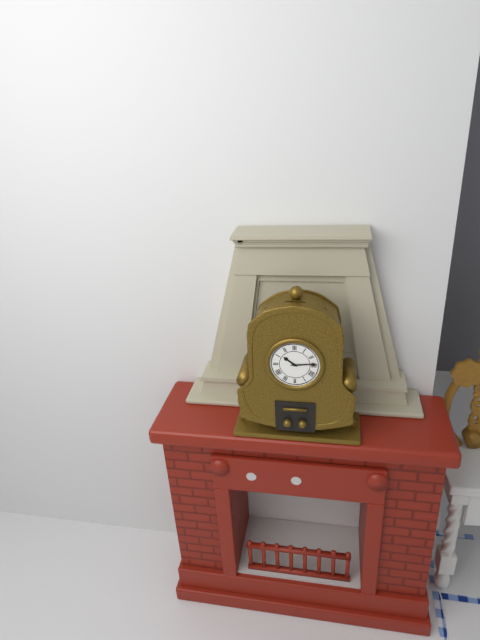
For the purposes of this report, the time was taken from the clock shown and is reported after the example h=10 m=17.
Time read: h=10 m=14
